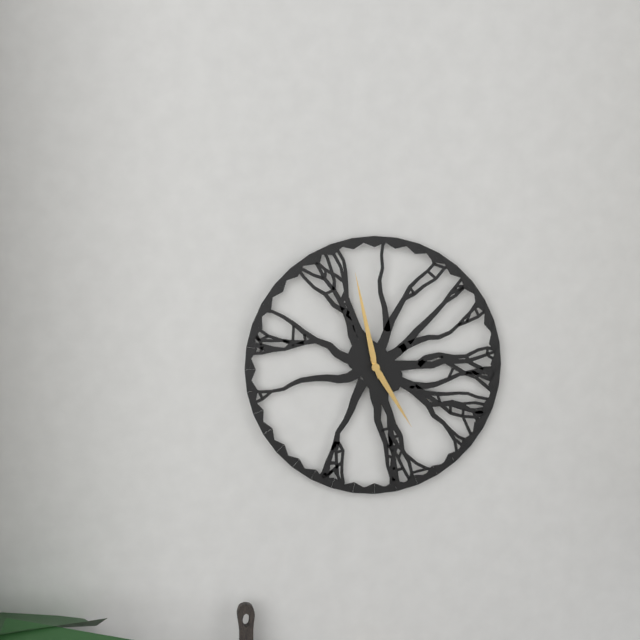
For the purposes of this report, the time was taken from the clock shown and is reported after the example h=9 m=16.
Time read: h=4 m=58
